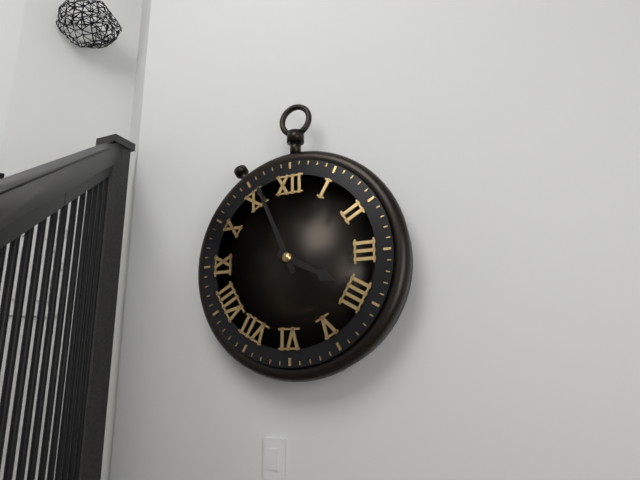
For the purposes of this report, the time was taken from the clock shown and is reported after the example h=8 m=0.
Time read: h=3 m=56
